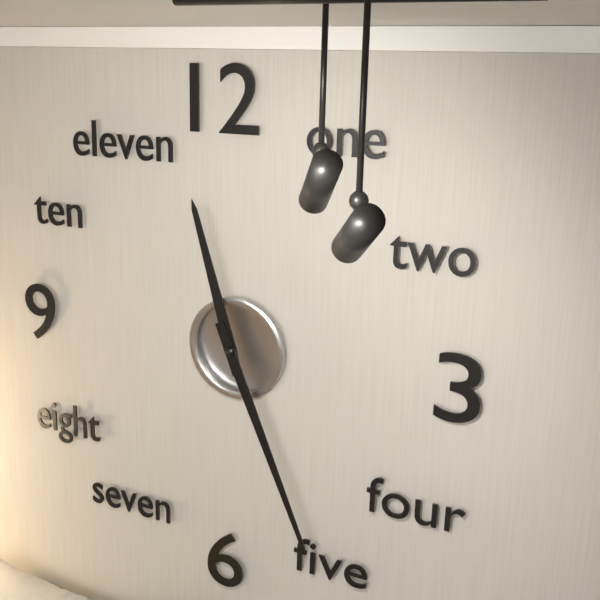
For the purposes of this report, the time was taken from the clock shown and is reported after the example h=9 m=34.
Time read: h=11 m=26
